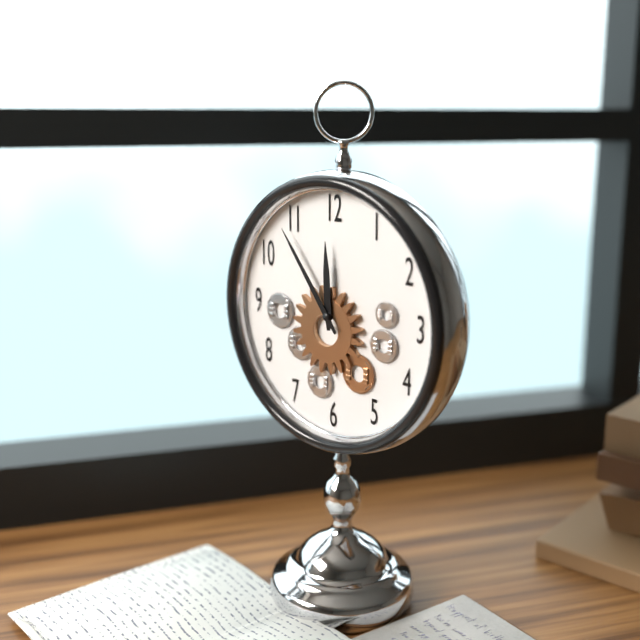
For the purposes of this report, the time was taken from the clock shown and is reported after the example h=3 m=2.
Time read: h=11 m=54
